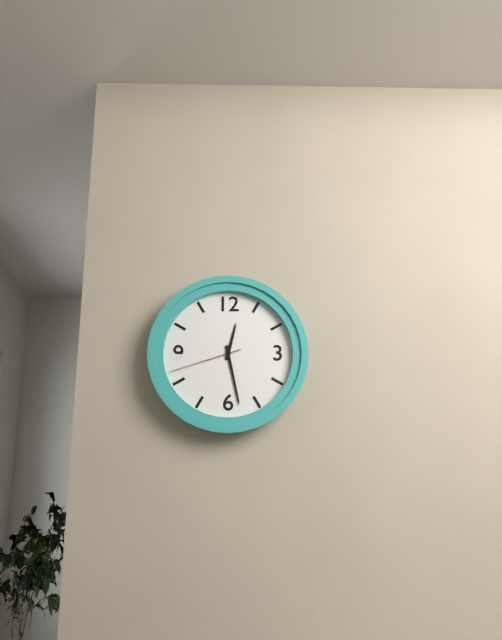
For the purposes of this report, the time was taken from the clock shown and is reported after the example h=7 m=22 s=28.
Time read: h=12 m=28 s=42
